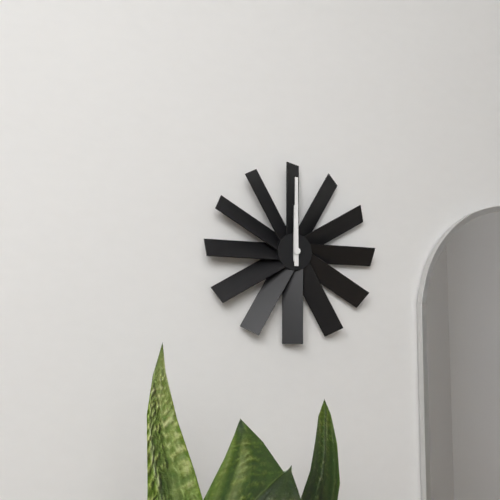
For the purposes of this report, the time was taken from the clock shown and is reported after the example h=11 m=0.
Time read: h=12 m=0
